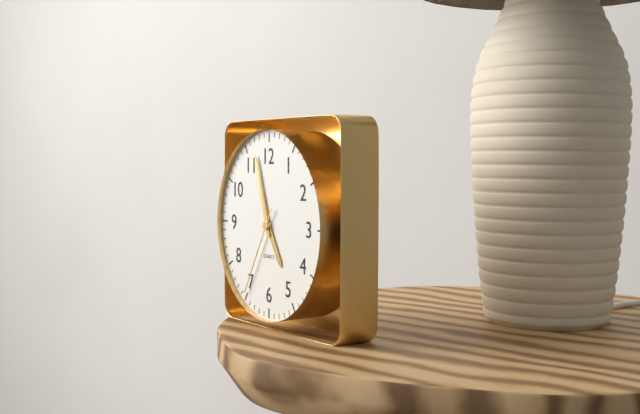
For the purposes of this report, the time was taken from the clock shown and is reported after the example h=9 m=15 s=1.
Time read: h=4 m=57 s=35
